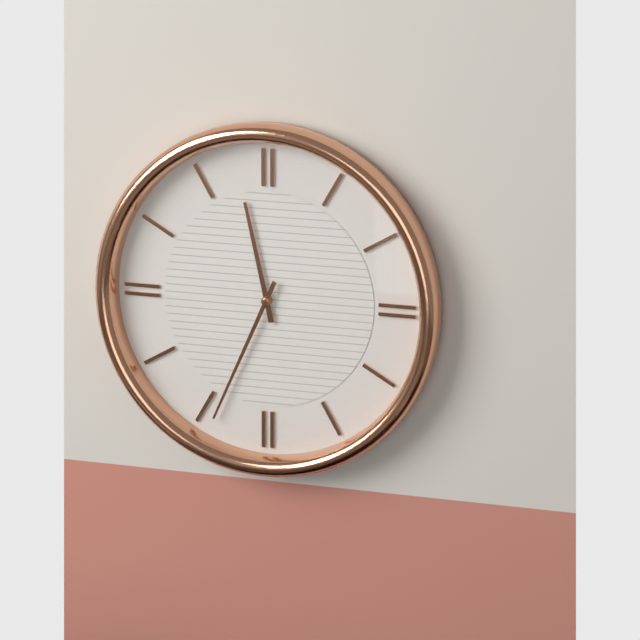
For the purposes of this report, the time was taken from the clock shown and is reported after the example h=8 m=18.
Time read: h=11 m=34
